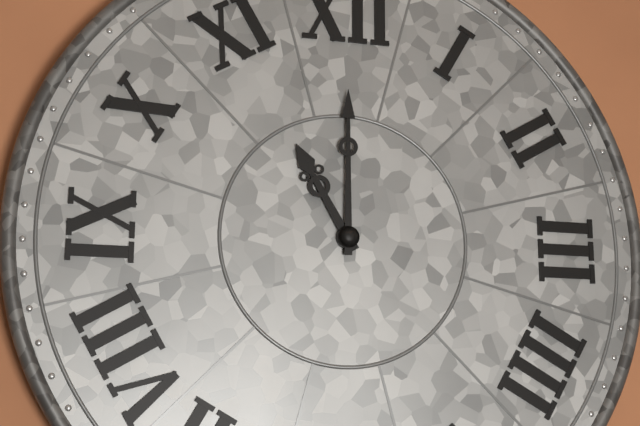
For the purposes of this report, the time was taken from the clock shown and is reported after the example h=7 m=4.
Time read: h=11 m=0
